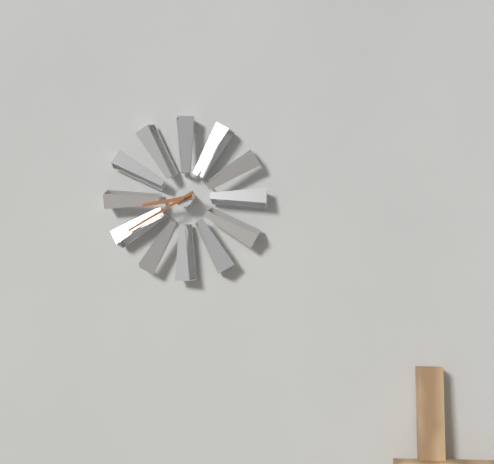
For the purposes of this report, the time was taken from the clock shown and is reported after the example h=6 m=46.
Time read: h=8 m=40
